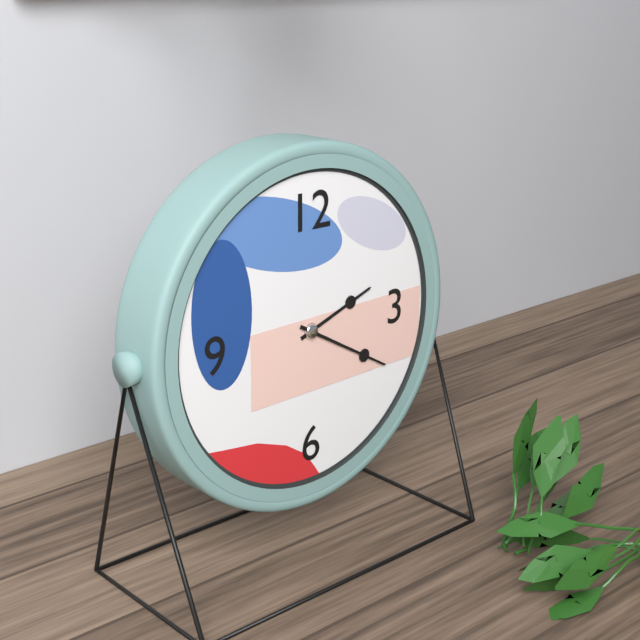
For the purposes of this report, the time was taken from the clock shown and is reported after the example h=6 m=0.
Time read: h=2 m=20
